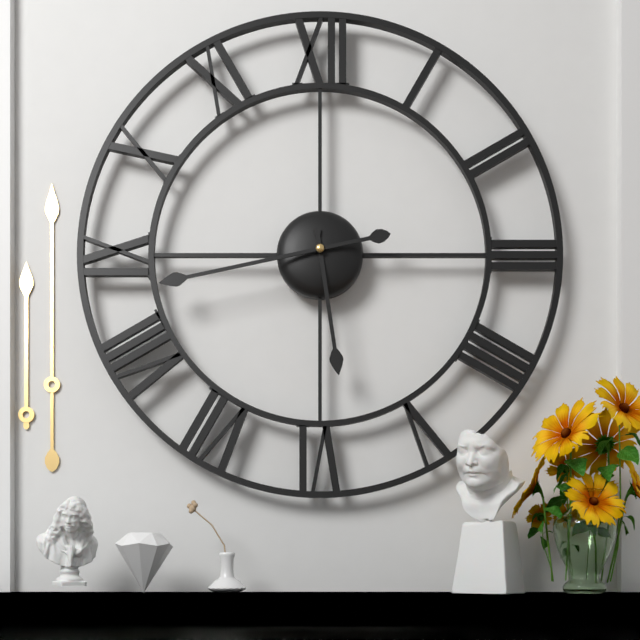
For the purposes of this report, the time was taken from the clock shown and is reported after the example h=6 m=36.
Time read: h=5 m=43
